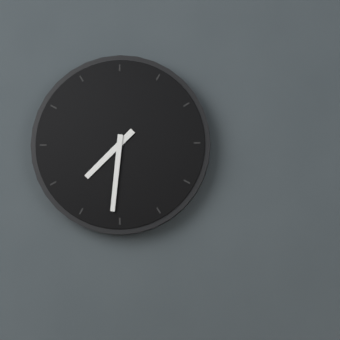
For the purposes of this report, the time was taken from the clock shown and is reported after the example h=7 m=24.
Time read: h=7 m=31
